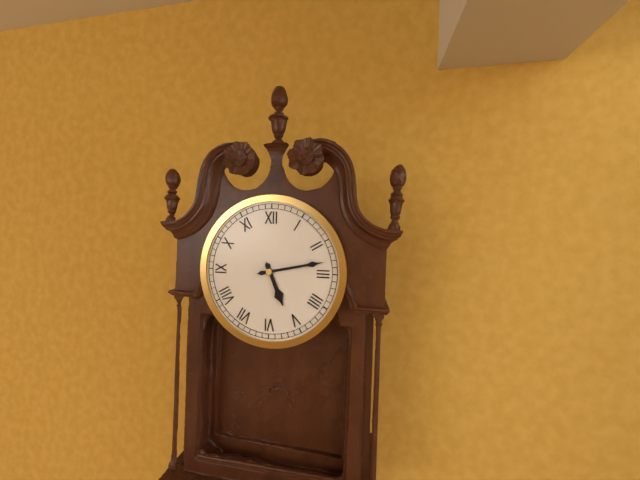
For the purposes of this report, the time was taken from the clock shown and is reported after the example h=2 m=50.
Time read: h=5 m=13
